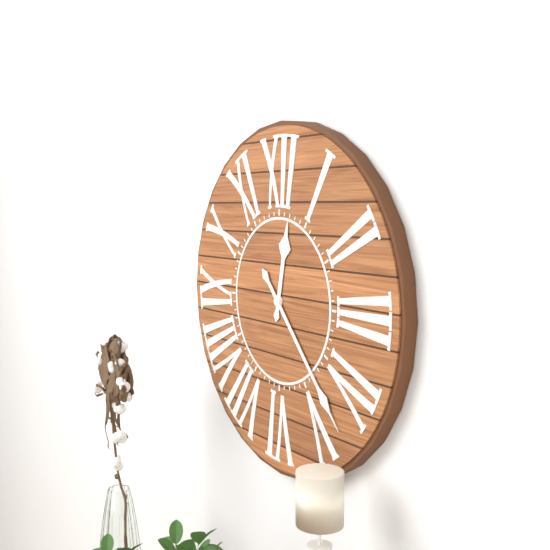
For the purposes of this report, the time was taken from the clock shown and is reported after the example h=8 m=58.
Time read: h=12 m=23
